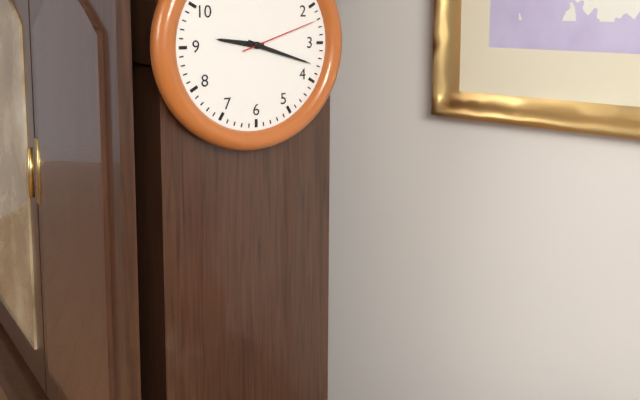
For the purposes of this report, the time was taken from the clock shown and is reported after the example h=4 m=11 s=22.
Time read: h=9 m=18 s=12
